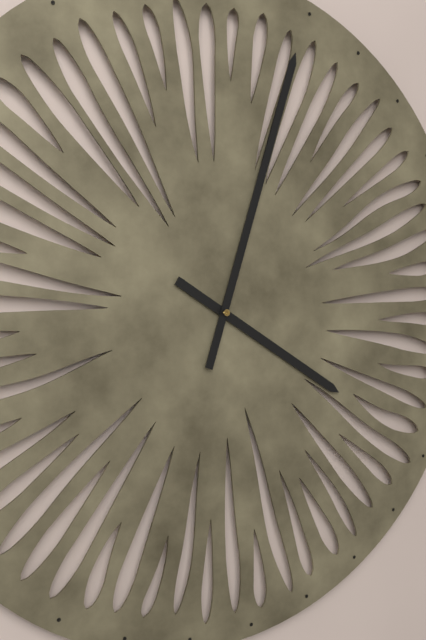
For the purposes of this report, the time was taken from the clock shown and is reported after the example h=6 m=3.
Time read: h=4 m=3
